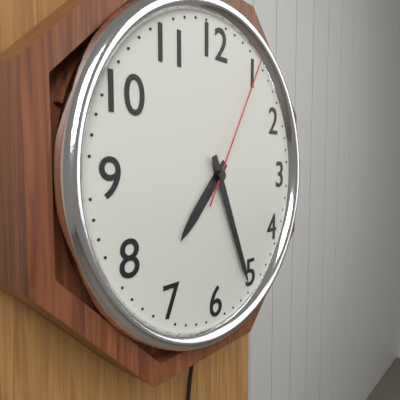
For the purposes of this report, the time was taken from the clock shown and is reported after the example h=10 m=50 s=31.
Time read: h=7 m=26 s=5
